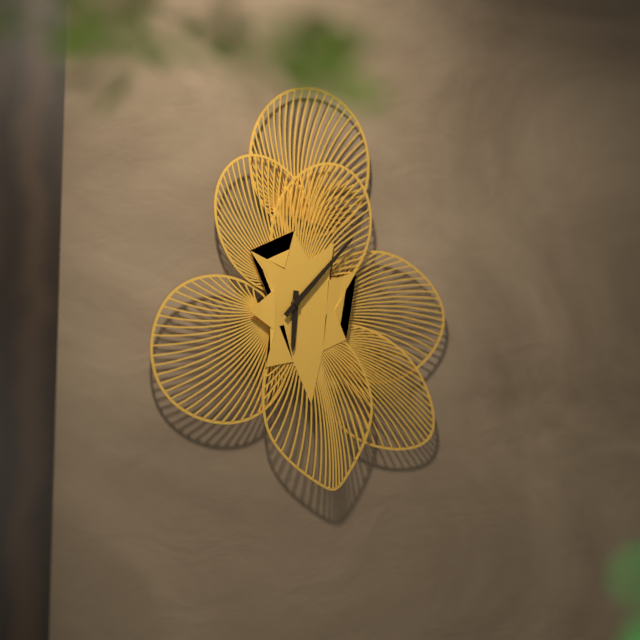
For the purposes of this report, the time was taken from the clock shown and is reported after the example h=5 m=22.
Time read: h=6 m=7
